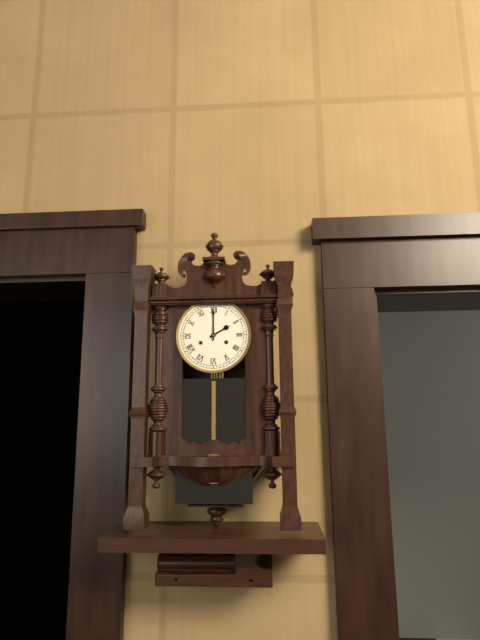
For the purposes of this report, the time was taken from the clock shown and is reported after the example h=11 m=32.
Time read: h=2 m=0
